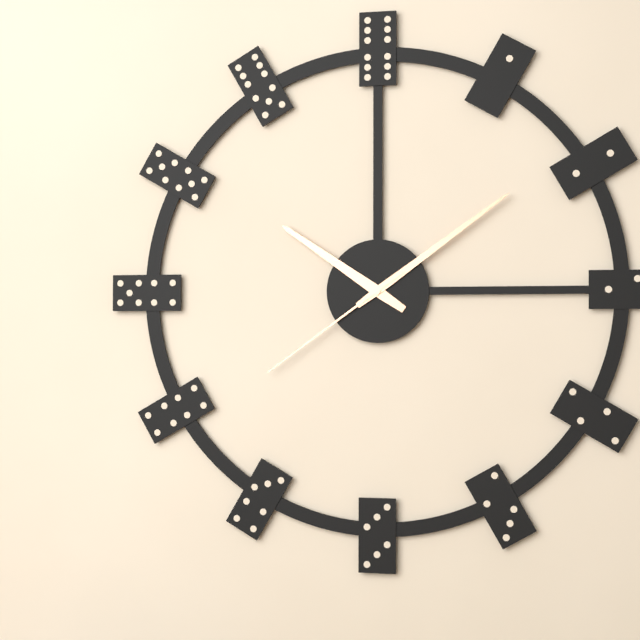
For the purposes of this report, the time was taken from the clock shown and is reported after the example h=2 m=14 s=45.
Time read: h=10 m=9 s=39
